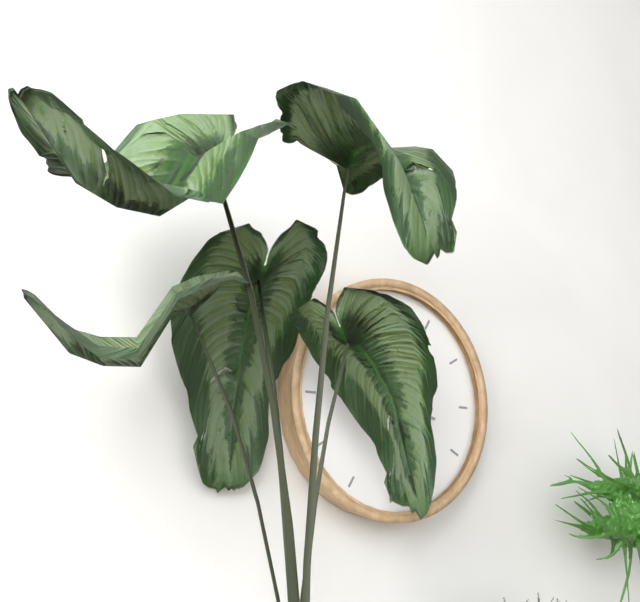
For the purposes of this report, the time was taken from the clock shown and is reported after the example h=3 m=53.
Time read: h=3 m=30
